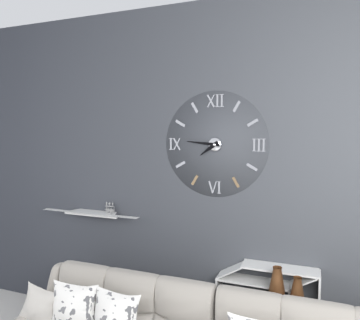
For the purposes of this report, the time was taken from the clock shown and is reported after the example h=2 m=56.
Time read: h=7 m=46
